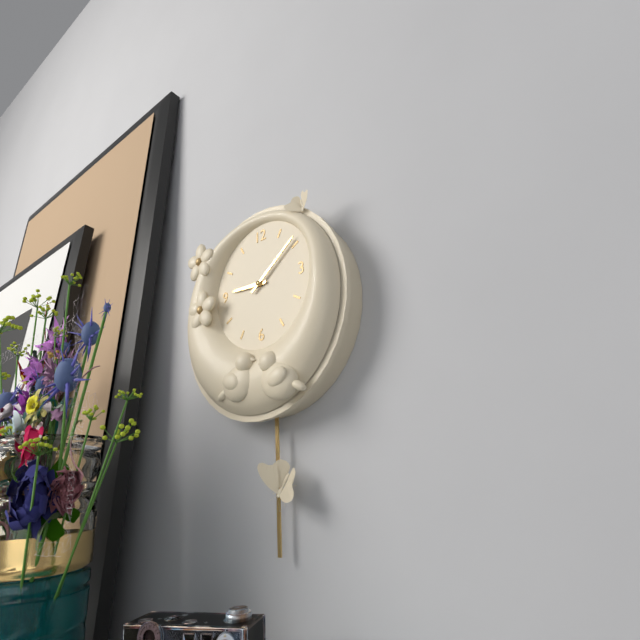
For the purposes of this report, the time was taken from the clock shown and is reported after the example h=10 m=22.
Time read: h=9 m=9
